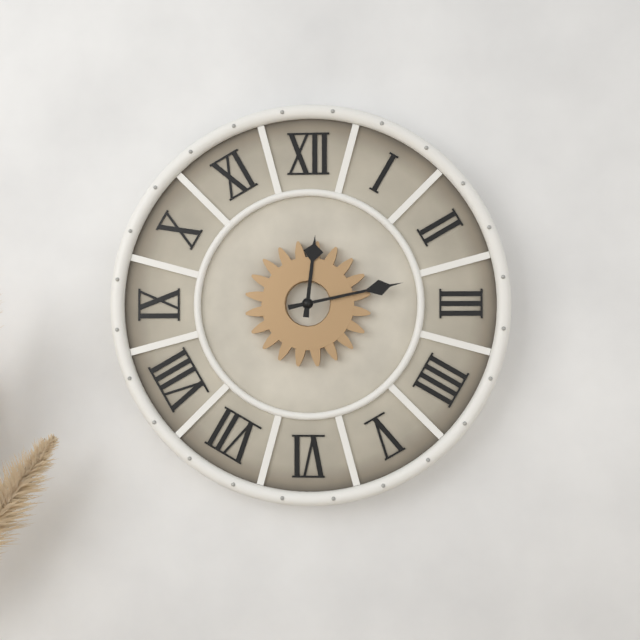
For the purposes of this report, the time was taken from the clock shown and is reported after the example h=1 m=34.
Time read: h=12 m=13
